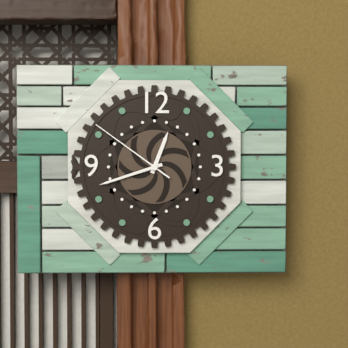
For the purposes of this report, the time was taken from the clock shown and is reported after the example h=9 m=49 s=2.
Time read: h=12 m=42 s=51
